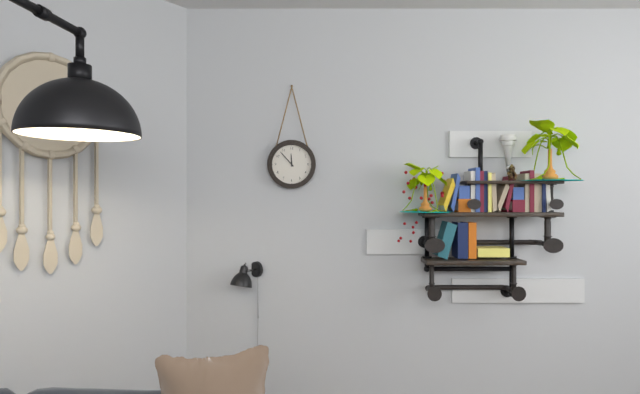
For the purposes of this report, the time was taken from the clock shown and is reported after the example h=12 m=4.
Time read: h=11 m=53
